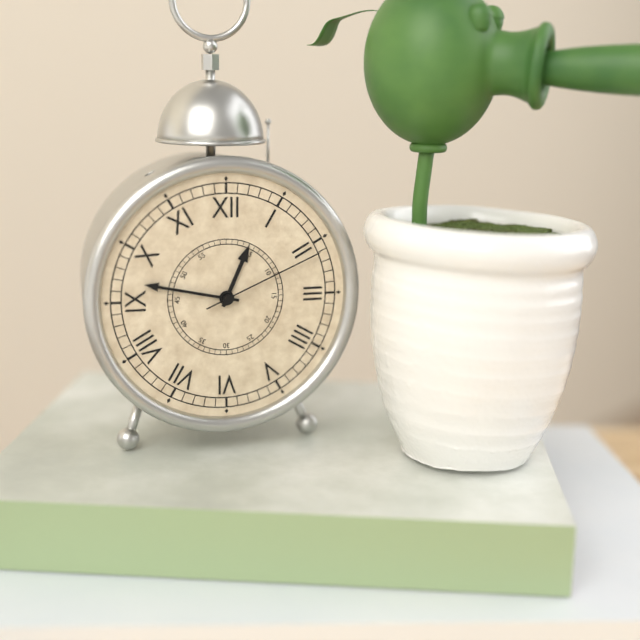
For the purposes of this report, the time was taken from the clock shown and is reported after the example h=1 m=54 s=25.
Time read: h=12 m=47 s=11
